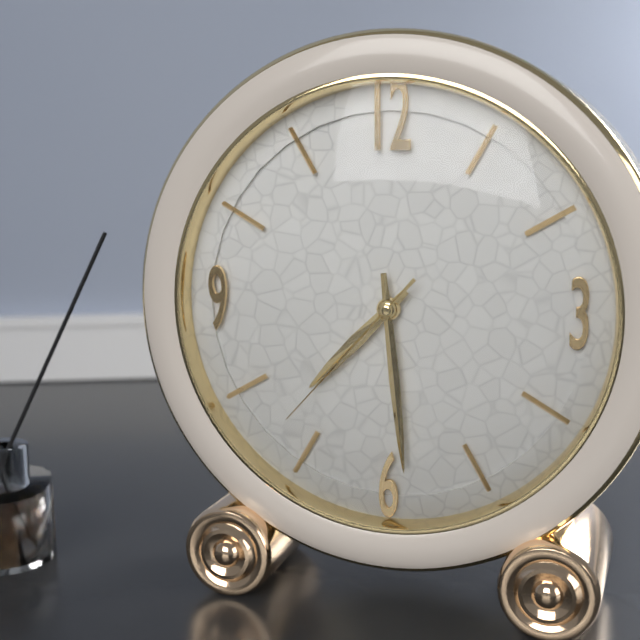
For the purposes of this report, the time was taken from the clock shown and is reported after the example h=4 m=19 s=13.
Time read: h=7 m=29 s=37
